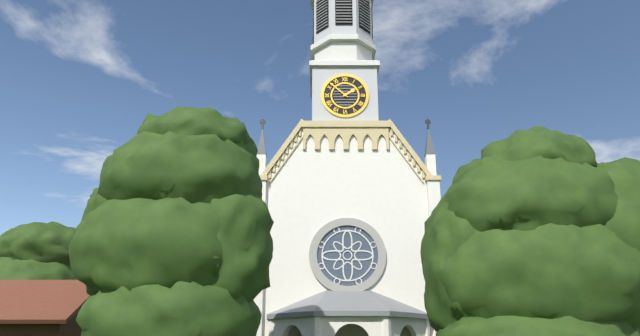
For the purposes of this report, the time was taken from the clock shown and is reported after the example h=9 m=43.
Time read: h=1 m=52
